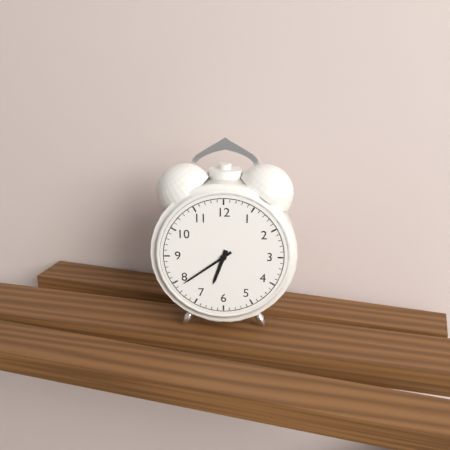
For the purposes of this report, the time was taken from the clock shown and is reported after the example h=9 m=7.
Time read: h=6 m=39
